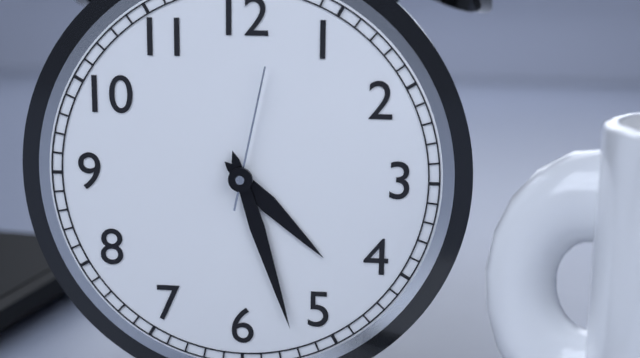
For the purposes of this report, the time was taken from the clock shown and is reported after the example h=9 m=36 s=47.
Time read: h=4 m=27 s=2
